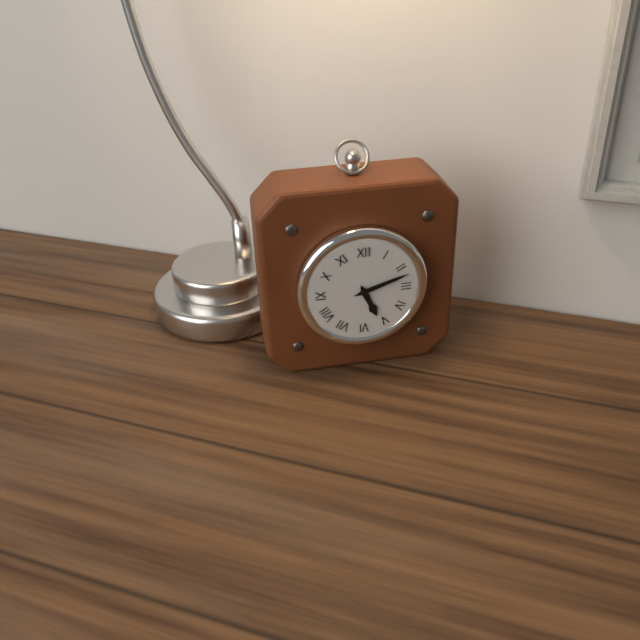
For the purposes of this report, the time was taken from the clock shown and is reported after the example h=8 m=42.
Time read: h=5 m=12
